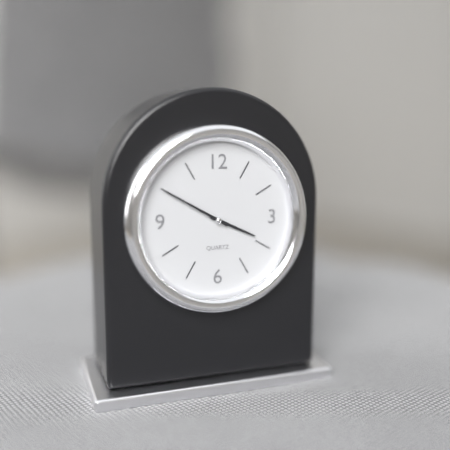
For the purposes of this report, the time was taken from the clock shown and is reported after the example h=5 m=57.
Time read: h=3 m=50
